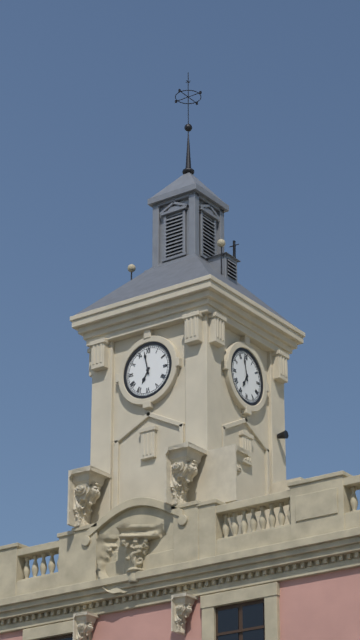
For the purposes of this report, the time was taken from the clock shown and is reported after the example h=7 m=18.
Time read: h=6 m=58
